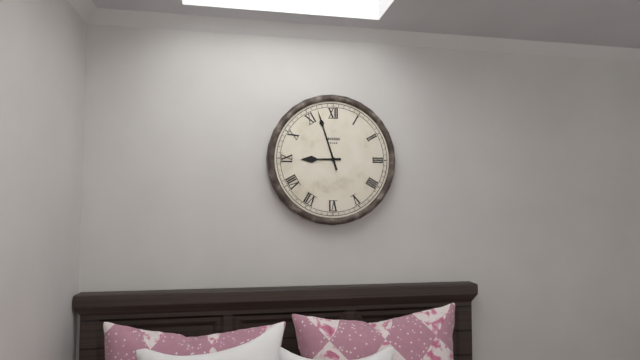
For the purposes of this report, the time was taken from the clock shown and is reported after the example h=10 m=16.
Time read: h=8 m=57
